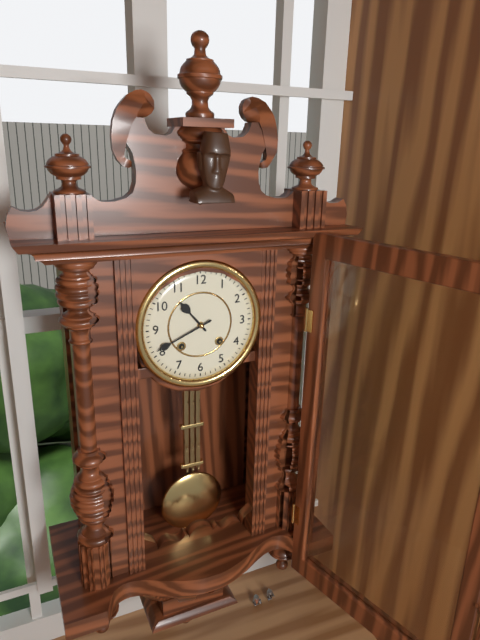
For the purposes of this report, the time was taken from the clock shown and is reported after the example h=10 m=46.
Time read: h=10 m=41
